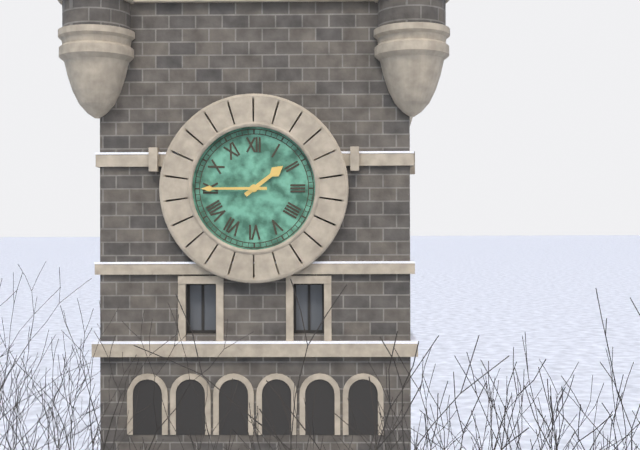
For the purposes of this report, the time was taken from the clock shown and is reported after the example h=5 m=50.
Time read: h=1 m=45
